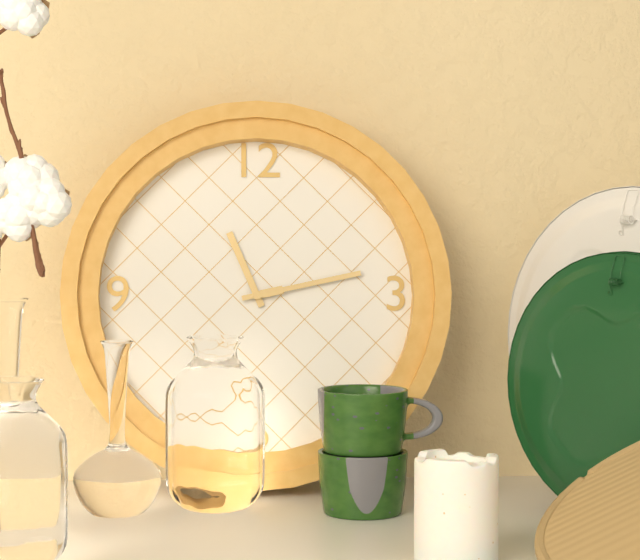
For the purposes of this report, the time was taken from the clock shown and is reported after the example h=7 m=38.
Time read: h=11 m=13
